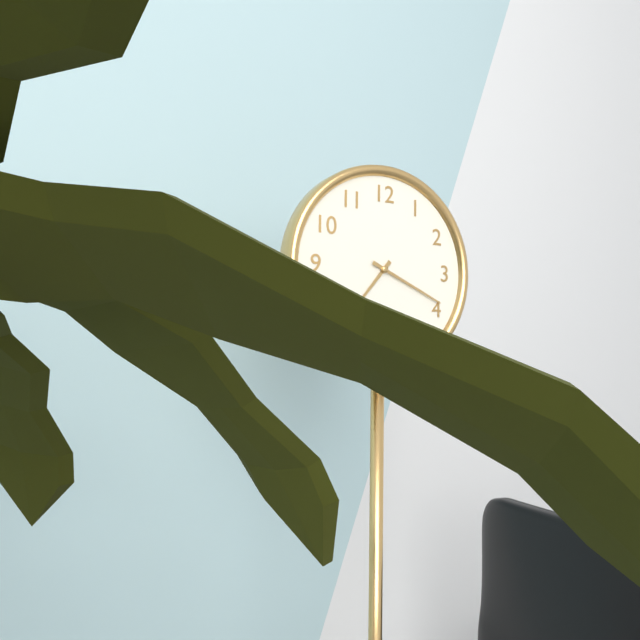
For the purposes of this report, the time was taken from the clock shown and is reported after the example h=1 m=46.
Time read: h=7 m=19
